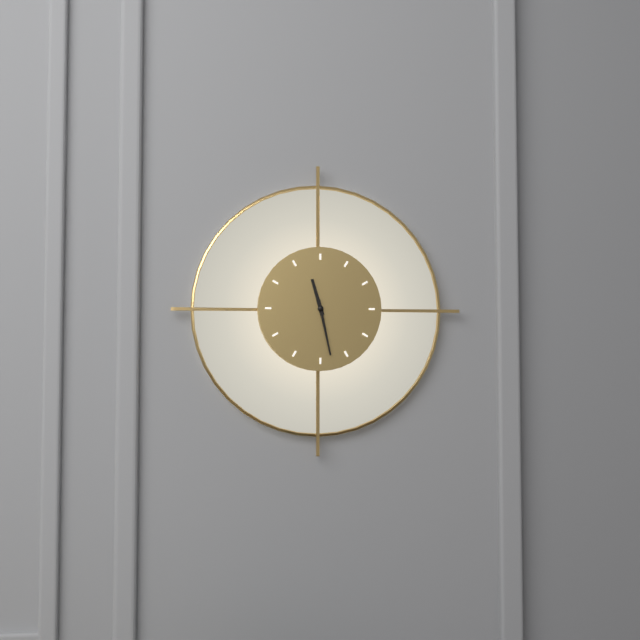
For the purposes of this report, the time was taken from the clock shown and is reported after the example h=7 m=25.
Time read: h=11 m=28
